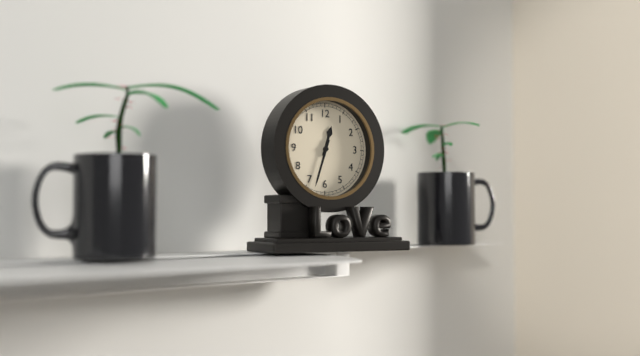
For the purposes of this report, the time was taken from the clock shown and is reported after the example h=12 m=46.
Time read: h=12 m=33
